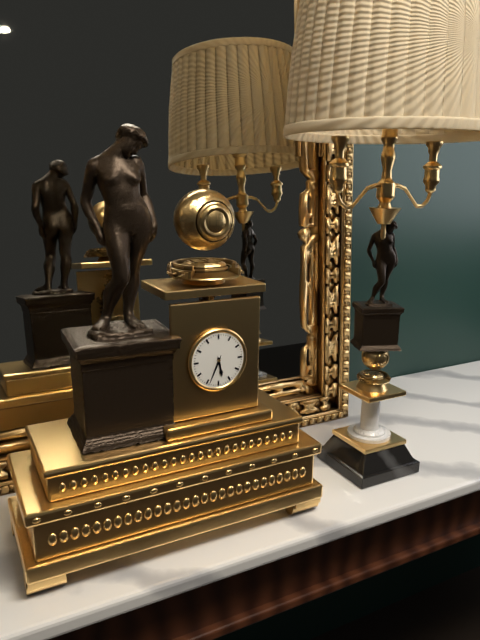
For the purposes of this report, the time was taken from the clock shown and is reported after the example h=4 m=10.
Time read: h=5 m=34
